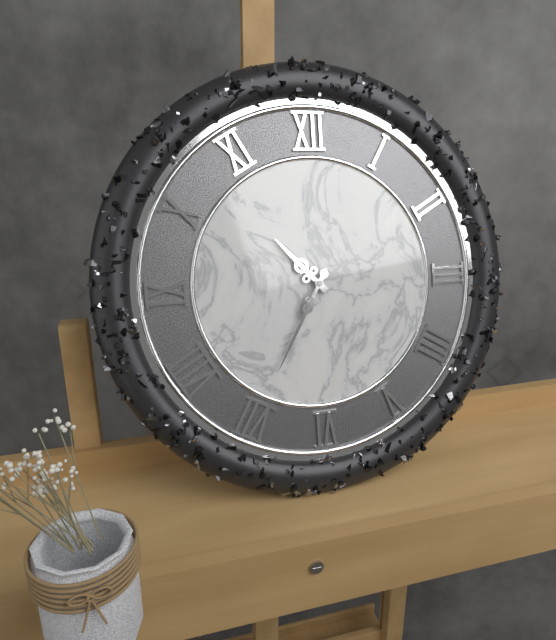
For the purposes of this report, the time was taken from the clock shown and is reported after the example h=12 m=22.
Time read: h=10 m=35
